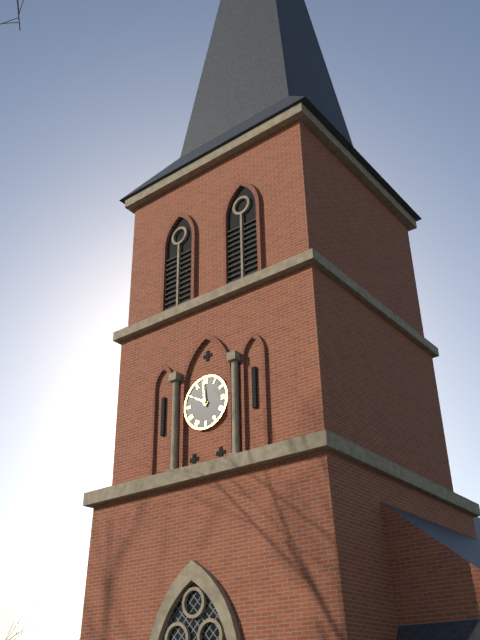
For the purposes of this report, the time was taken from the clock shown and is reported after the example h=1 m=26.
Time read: h=9 m=59
